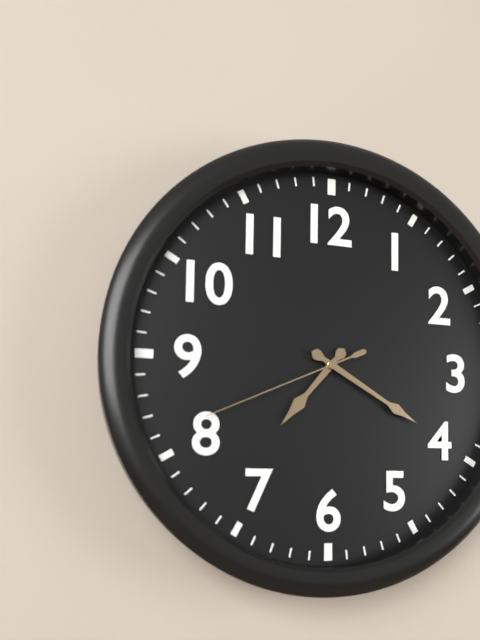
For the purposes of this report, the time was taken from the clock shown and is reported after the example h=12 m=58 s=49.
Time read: h=7 m=20 s=41
